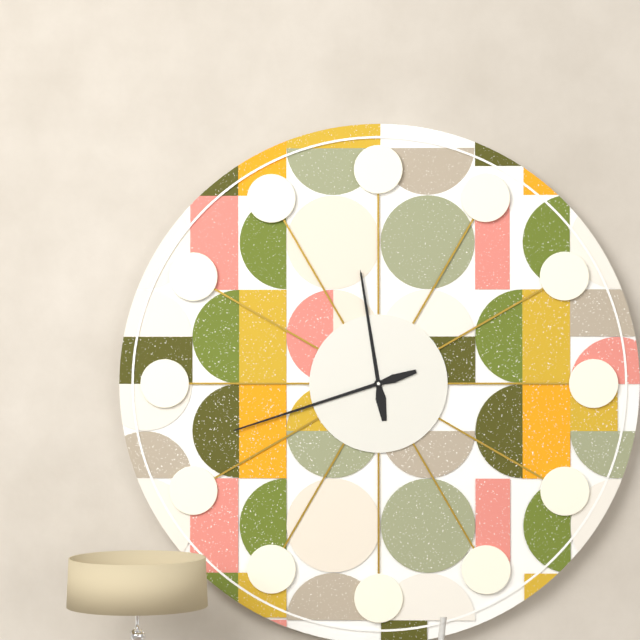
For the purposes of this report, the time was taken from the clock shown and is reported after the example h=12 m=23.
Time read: h=11 m=42
